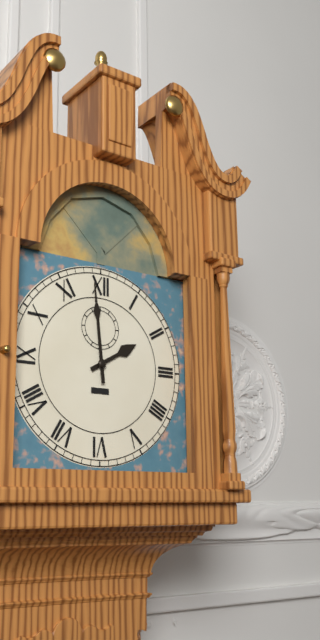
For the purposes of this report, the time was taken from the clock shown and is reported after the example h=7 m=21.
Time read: h=1 m=59
